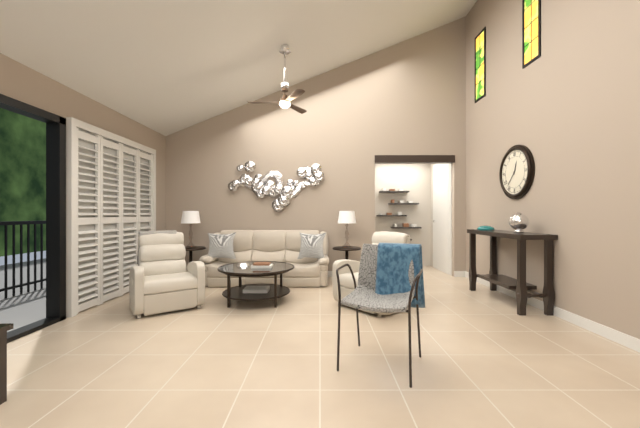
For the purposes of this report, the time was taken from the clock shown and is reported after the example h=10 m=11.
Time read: h=12 m=37
